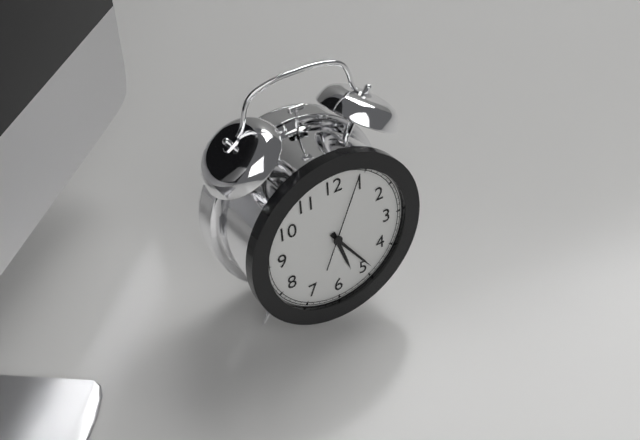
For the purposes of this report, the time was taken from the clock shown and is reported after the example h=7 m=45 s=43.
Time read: h=5 m=24 s=4
